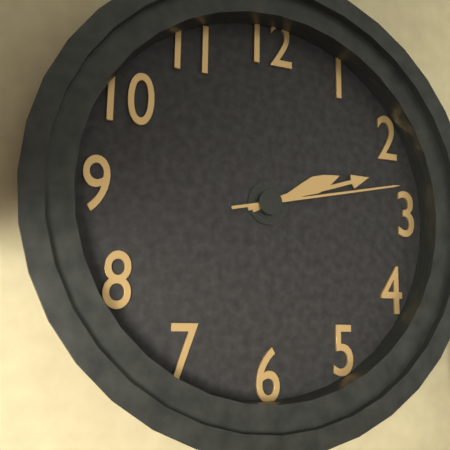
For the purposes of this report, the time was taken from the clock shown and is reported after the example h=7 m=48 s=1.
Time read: h=2 m=12 s=13
